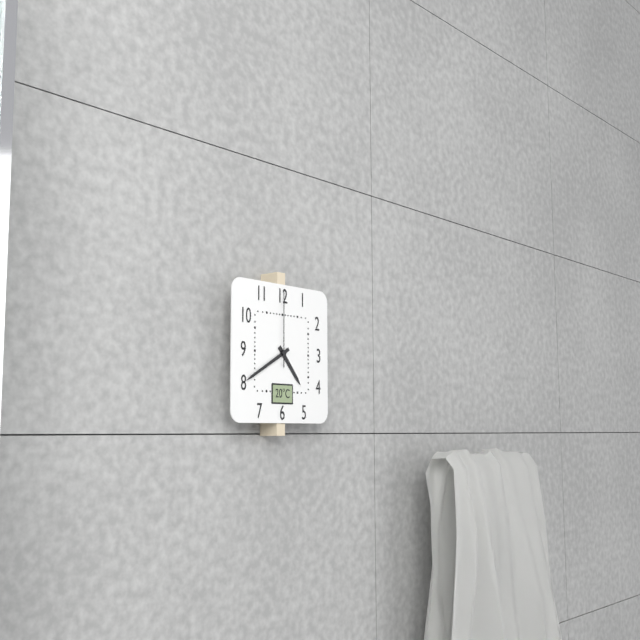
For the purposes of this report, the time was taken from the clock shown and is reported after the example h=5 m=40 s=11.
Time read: h=4 m=40 s=0
